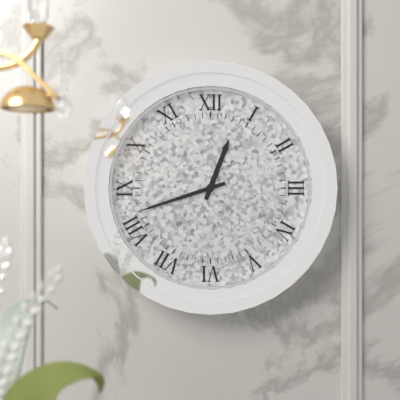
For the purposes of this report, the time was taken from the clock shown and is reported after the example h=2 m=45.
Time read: h=12 m=42
